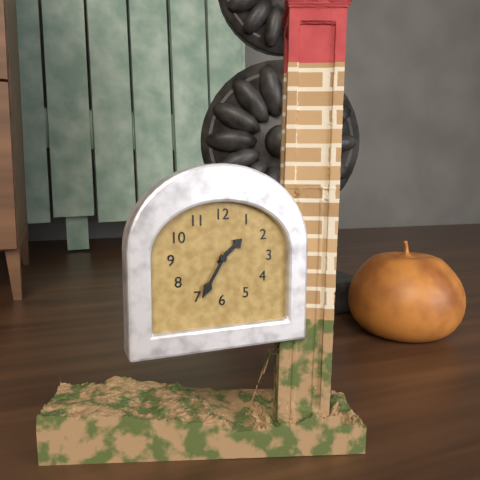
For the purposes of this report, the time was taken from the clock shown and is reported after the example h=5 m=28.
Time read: h=1 m=35
